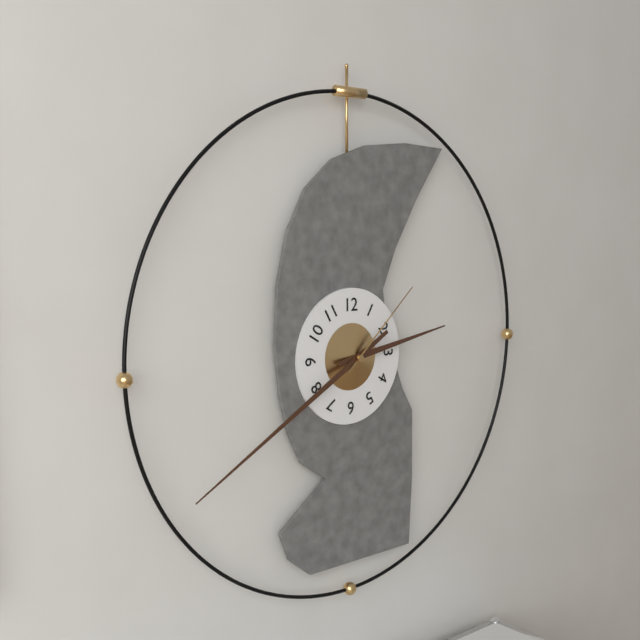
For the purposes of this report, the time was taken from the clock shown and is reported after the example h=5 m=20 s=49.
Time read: h=2 m=40 s=8
